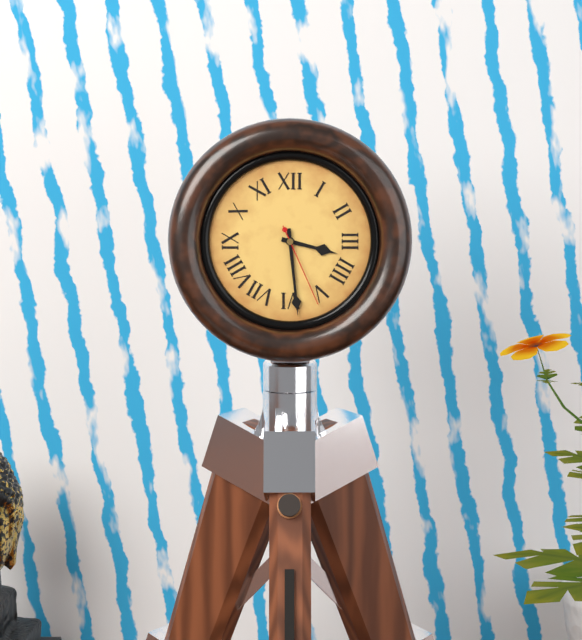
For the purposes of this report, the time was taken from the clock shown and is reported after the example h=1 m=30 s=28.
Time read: h=3 m=29 s=26
